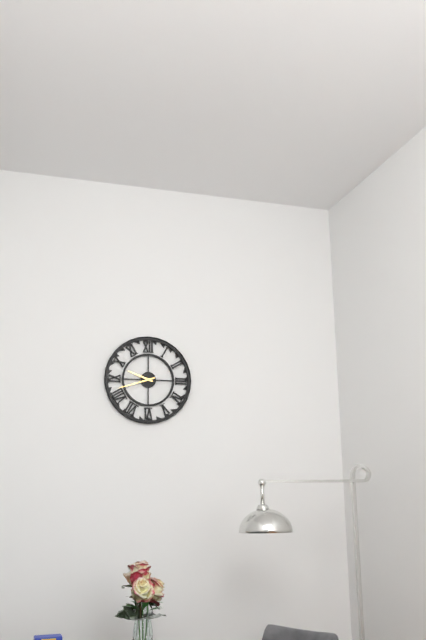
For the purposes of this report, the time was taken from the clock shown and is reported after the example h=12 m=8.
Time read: h=9 m=42
